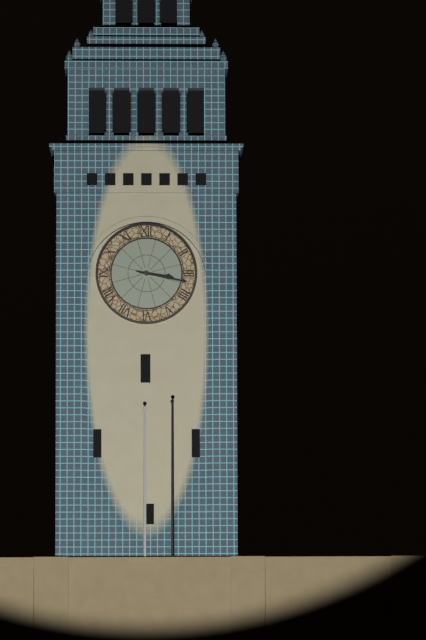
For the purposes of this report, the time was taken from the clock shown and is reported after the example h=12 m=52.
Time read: h=3 m=17
